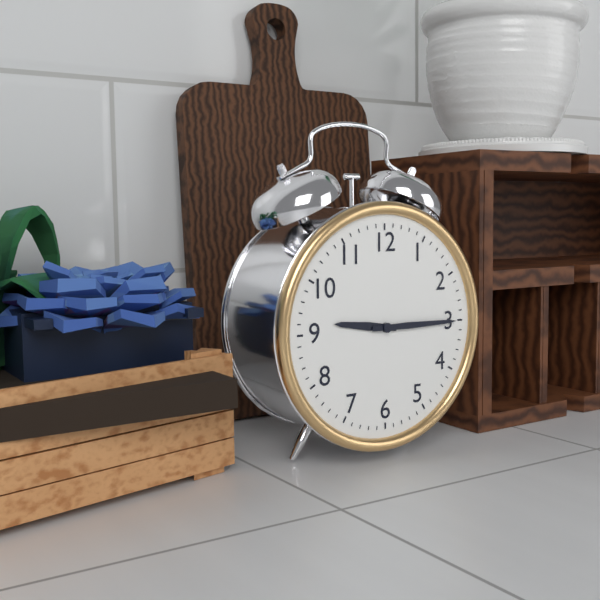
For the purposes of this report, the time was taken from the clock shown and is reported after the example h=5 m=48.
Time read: h=9 m=15
